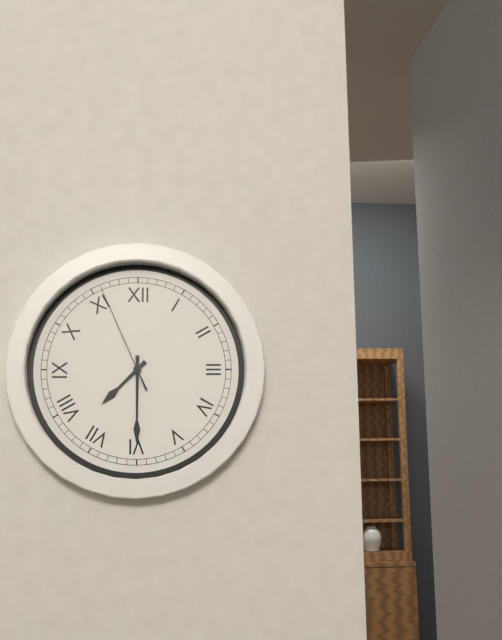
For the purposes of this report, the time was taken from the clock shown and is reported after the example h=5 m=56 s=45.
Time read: h=7 m=30 s=56
